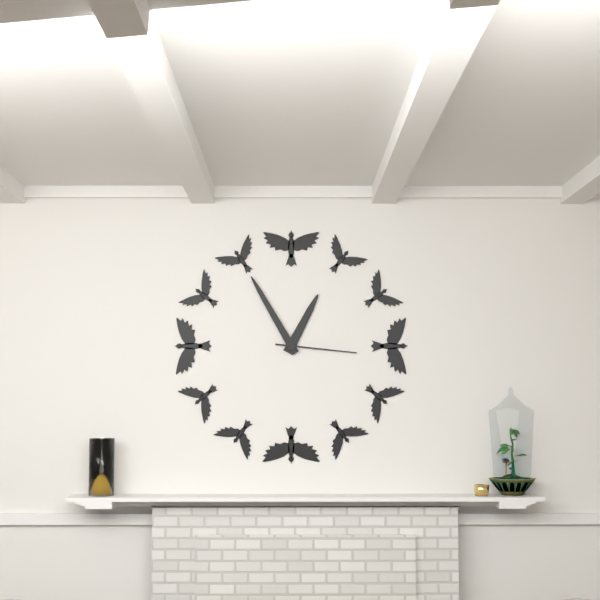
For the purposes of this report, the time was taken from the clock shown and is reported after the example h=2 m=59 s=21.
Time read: h=12 m=55 s=16
